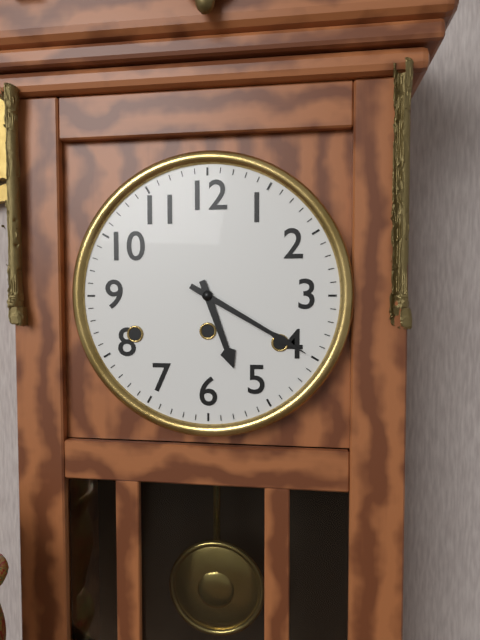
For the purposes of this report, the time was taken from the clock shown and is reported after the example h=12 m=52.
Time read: h=5 m=20
